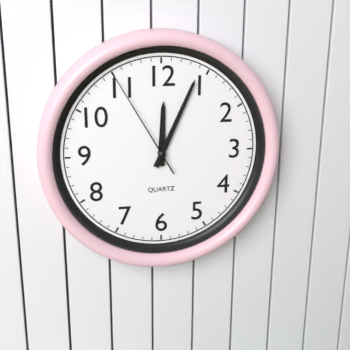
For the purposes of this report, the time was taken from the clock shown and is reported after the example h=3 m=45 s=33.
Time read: h=12 m=4 s=55
